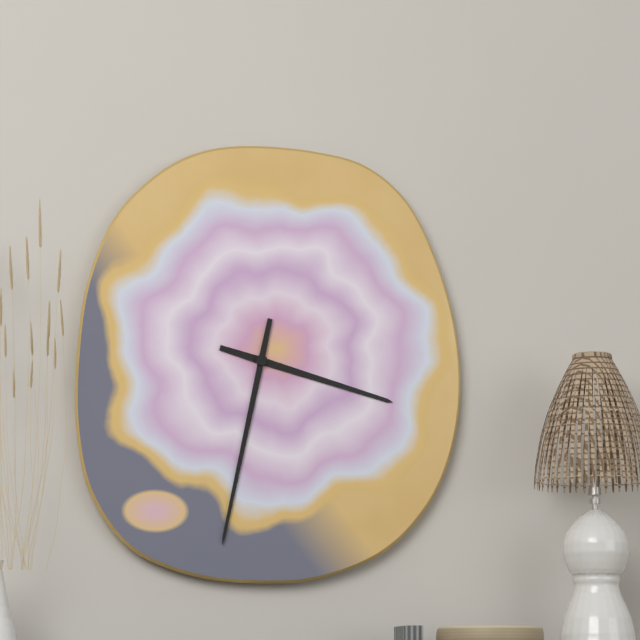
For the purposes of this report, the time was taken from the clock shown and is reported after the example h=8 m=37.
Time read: h=3 m=32
